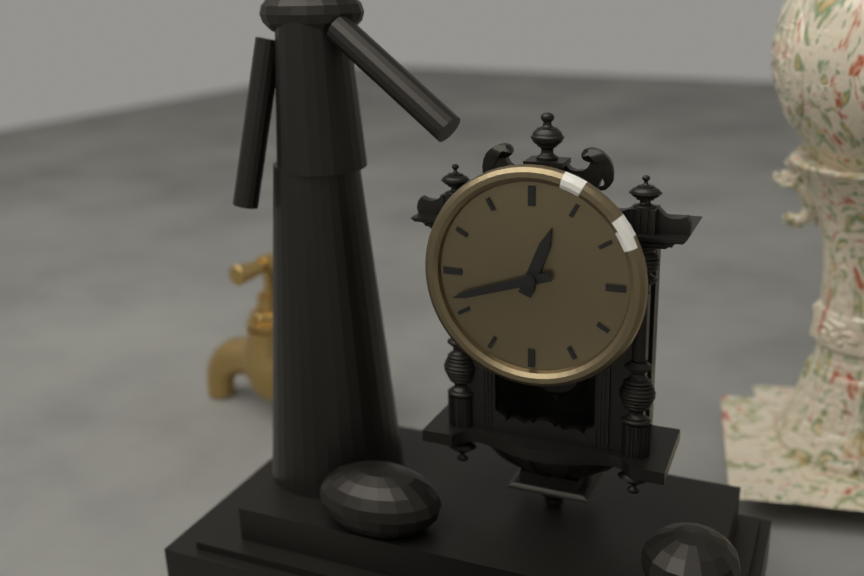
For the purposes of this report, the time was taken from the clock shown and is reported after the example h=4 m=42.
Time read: h=12 m=42
